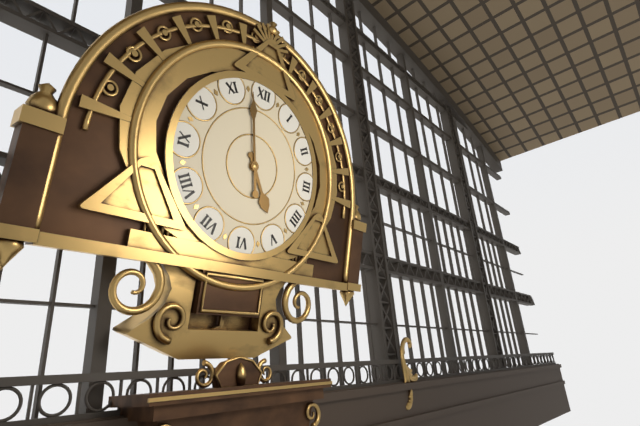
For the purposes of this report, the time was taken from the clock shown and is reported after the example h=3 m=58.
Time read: h=4 m=58
